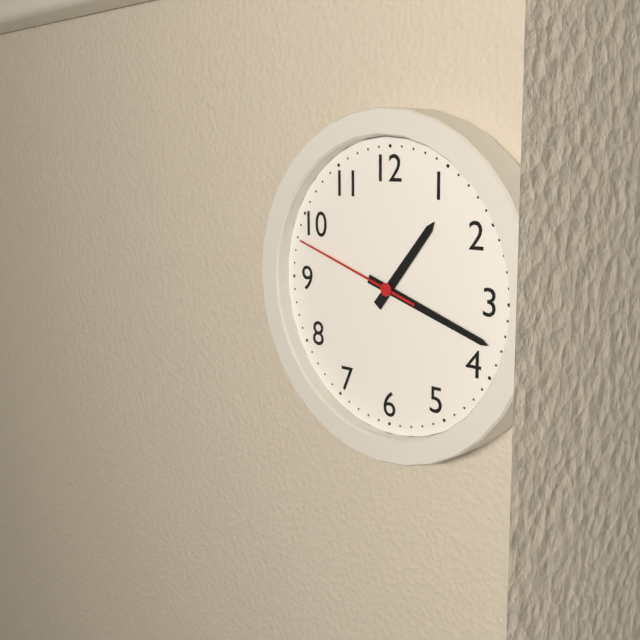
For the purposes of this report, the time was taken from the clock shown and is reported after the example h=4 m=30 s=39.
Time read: h=1 m=18 s=48
